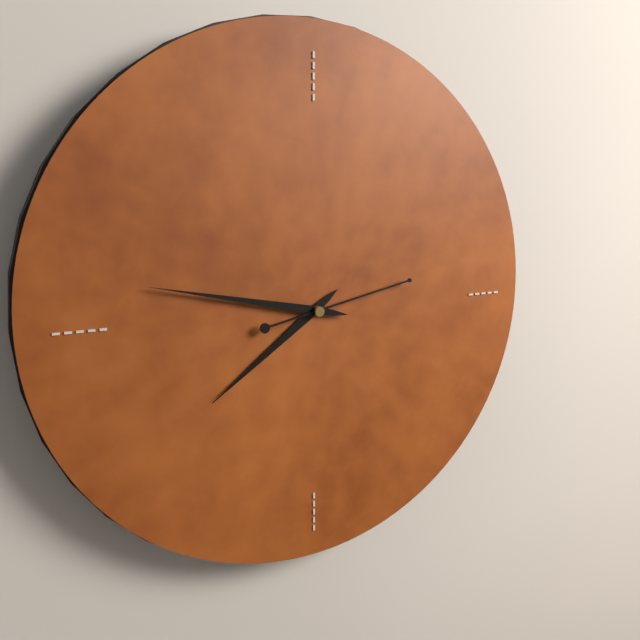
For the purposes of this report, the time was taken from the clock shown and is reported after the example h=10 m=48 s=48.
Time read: h=7 m=47 s=13
